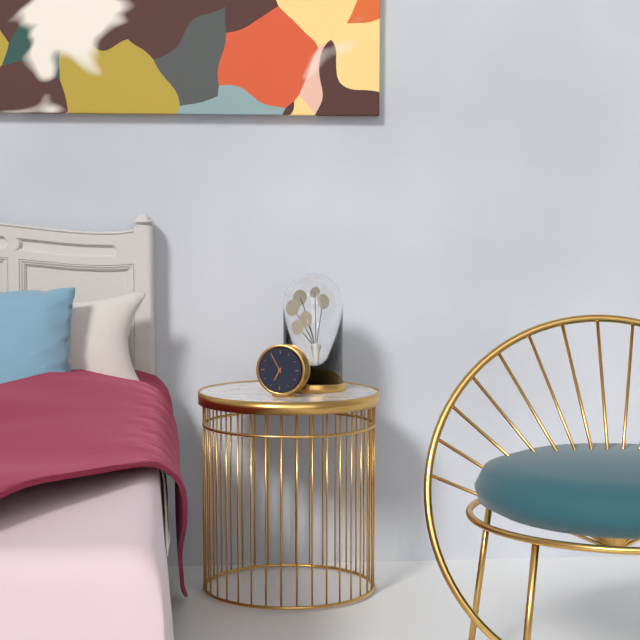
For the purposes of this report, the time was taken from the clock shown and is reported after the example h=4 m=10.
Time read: h=6 m=55
